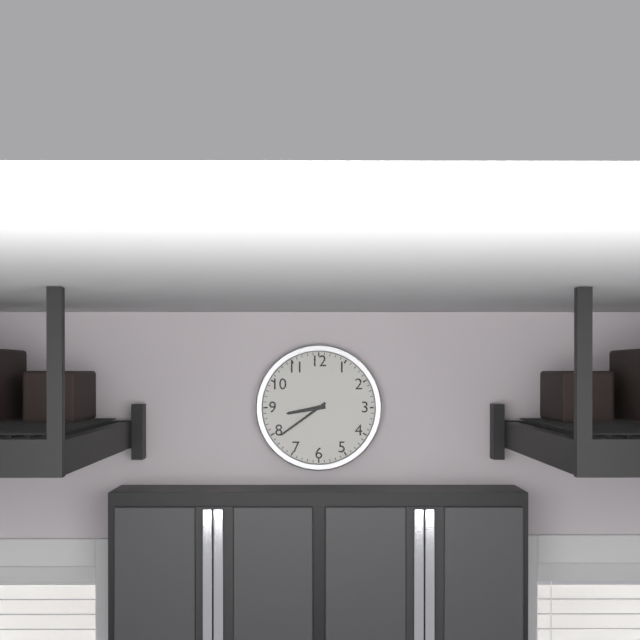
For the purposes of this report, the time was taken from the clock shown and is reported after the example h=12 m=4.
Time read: h=8 m=39
